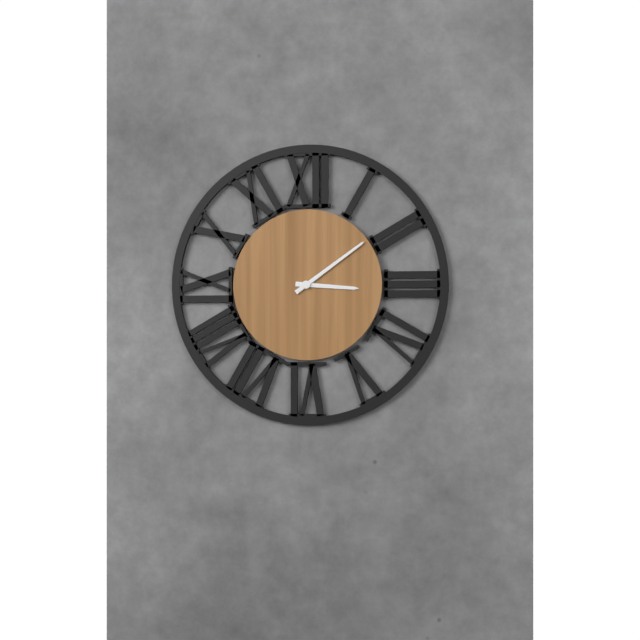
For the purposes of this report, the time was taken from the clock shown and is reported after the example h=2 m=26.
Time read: h=3 m=9
